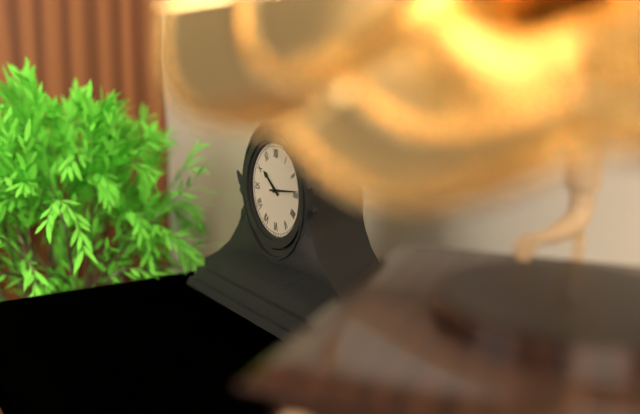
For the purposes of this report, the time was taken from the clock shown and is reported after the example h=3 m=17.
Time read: h=10 m=14
